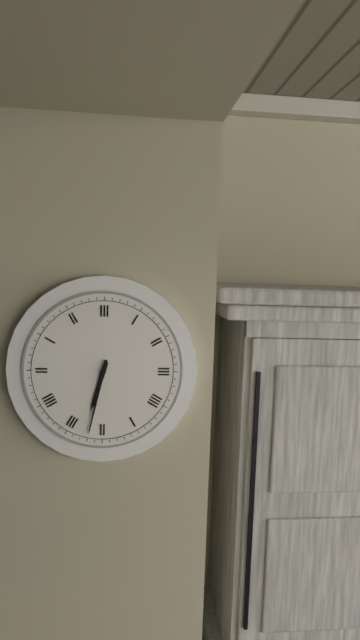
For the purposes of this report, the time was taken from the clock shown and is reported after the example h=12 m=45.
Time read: h=6 m=32
